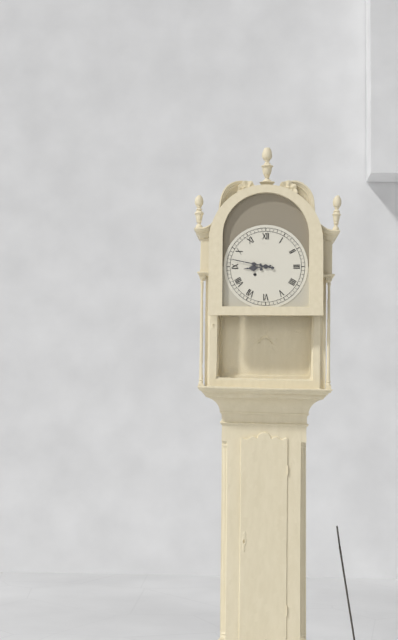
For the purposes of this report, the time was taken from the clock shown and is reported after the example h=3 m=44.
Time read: h=8 m=47
